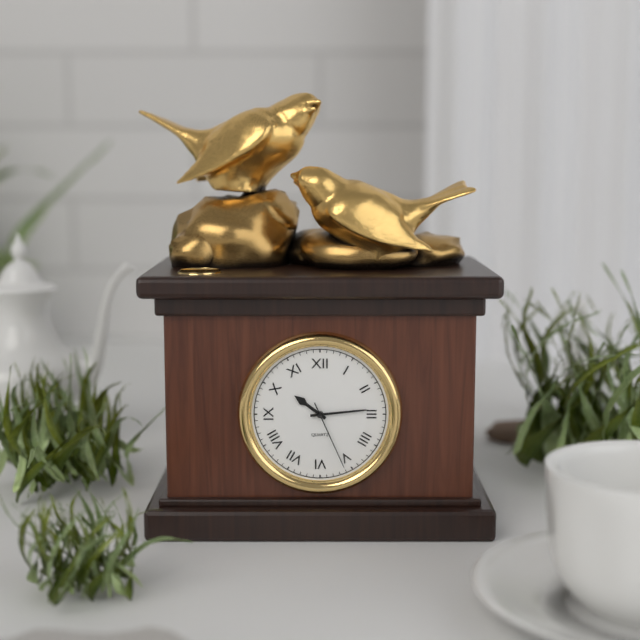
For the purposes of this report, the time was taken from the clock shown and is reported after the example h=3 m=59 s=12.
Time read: h=10 m=14 s=26
